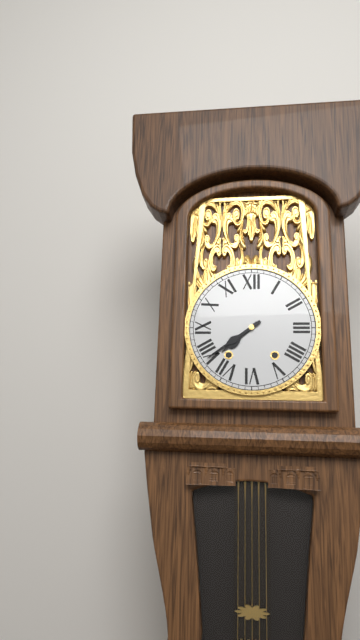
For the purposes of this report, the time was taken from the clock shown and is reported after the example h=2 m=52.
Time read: h=7 m=39
